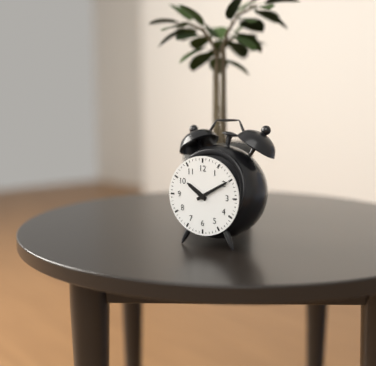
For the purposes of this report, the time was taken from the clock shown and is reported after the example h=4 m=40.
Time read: h=10 m=10
